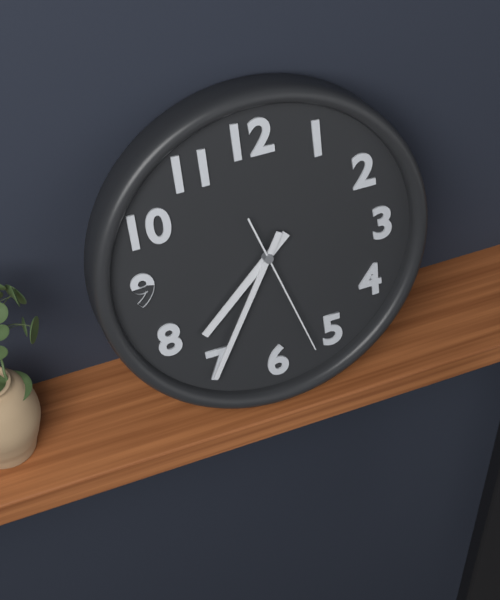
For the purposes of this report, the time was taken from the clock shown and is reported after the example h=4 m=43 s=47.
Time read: h=7 m=35 s=27
